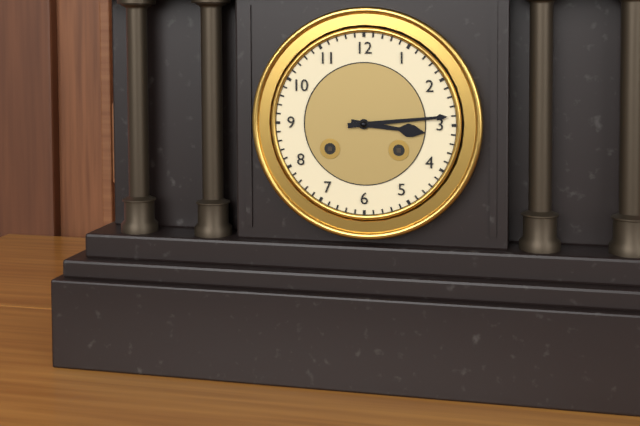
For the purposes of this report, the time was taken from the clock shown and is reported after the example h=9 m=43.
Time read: h=3 m=14
